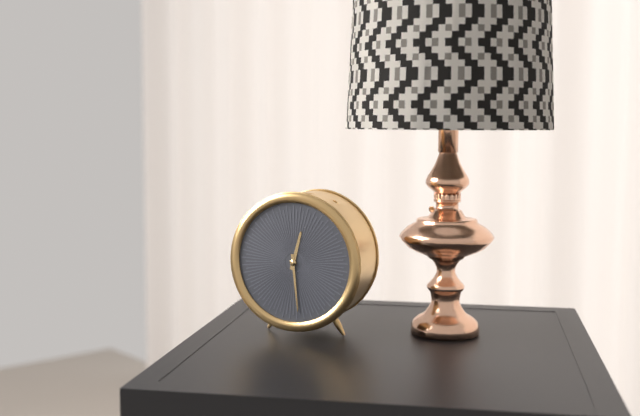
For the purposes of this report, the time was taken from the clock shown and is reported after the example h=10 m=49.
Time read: h=12 m=29
